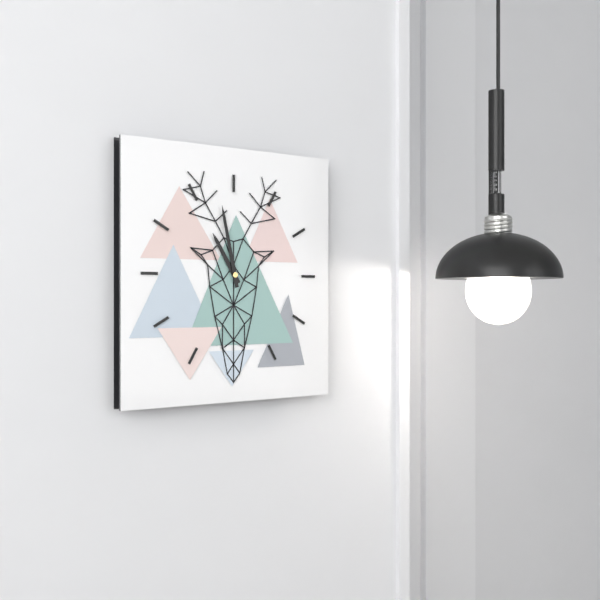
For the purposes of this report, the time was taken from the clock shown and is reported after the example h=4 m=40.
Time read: h=10 m=58
